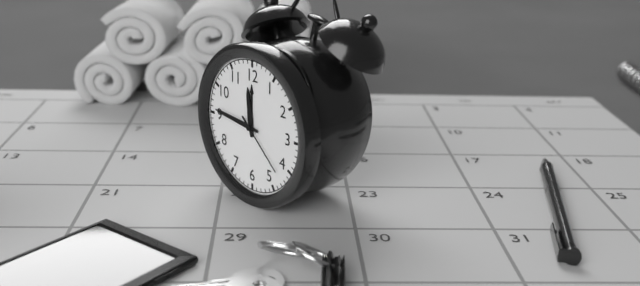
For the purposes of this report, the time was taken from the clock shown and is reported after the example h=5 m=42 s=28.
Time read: h=11 m=46 s=22
